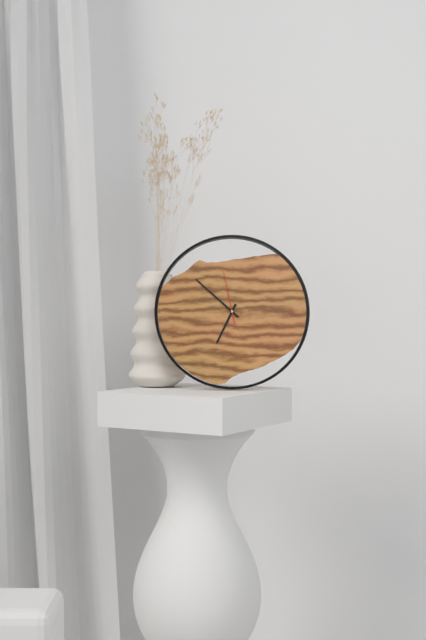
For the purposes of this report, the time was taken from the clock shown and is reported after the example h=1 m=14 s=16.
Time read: h=6 m=52 s=58
